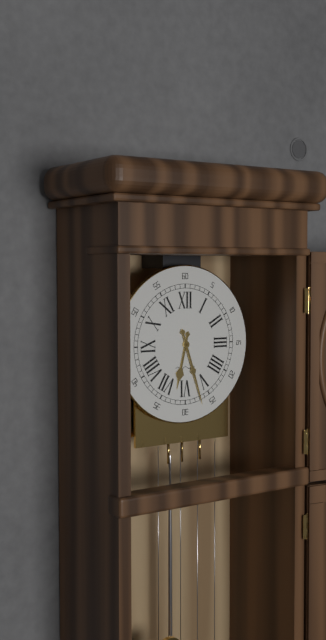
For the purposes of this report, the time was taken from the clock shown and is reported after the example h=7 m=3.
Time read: h=6 m=27
